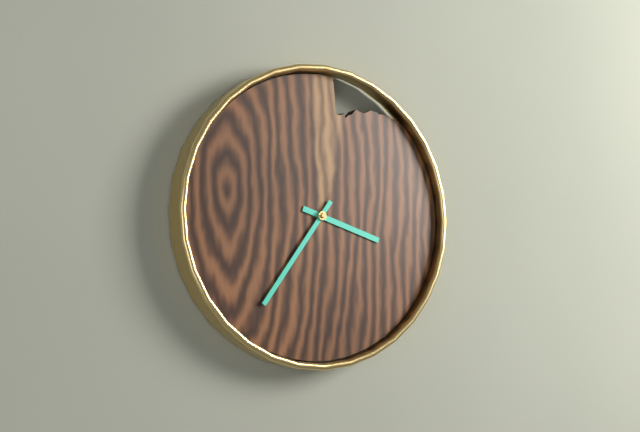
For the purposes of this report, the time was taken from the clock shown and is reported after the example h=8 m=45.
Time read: h=3 m=36
